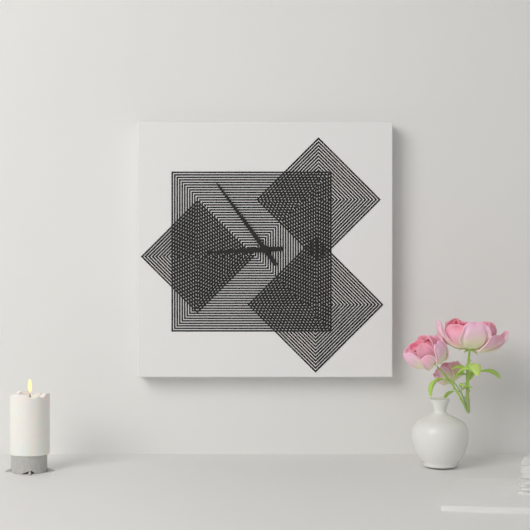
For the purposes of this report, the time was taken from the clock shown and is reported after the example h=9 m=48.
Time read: h=8 m=54
